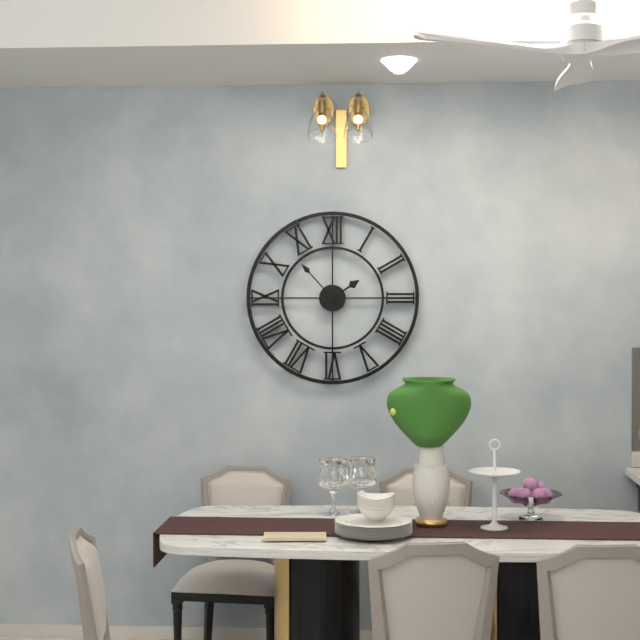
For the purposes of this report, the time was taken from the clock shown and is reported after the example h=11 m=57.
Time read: h=1 m=53
